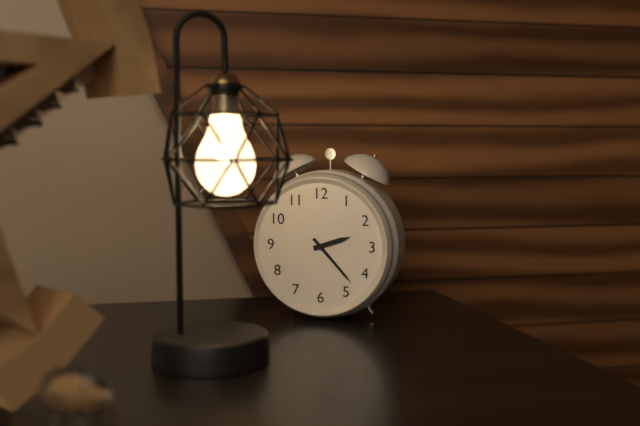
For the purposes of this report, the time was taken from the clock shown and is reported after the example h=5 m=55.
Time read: h=2 m=23
